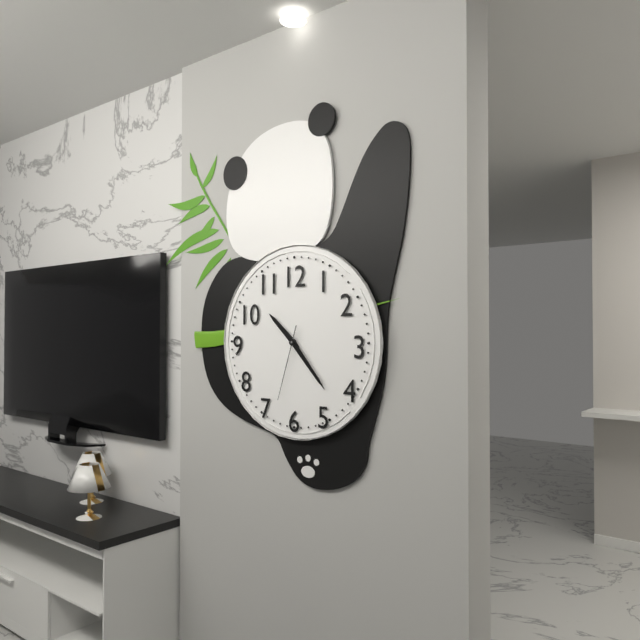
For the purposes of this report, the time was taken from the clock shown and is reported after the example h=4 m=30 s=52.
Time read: h=10 m=23 s=33
